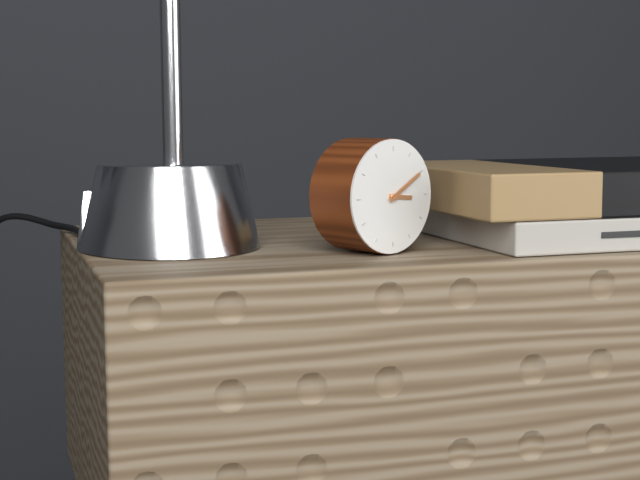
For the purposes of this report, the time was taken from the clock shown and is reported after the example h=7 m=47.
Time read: h=3 m=10
